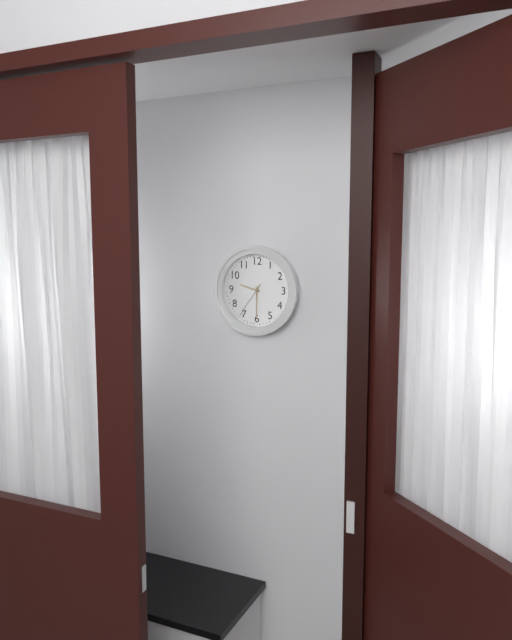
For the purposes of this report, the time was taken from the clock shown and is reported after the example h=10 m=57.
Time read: h=9 m=30
